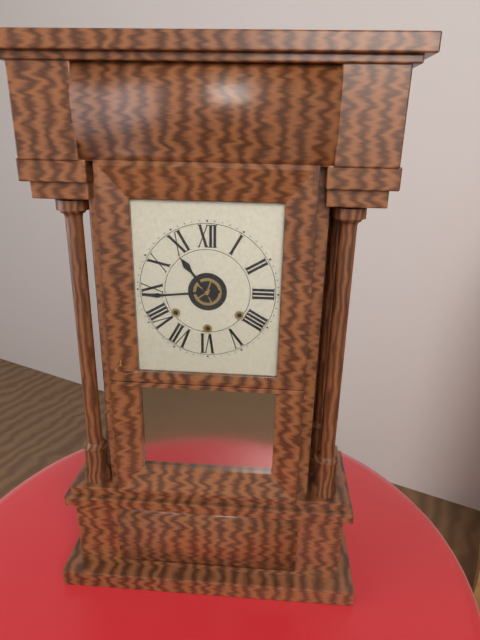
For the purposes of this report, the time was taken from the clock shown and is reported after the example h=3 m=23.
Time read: h=10 m=44
